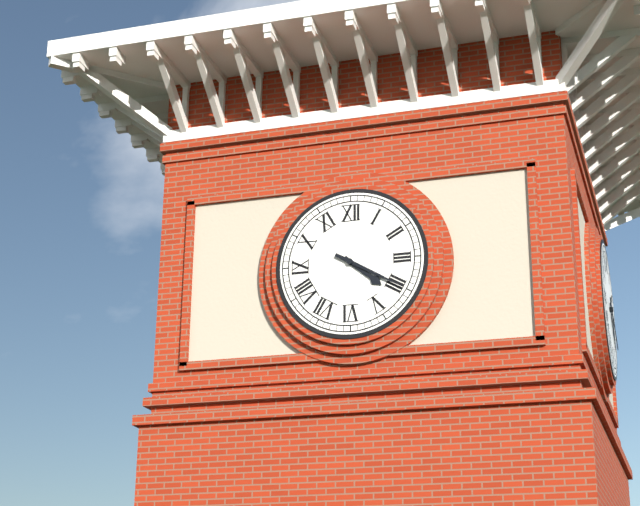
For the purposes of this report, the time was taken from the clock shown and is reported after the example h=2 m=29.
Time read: h=4 m=20
